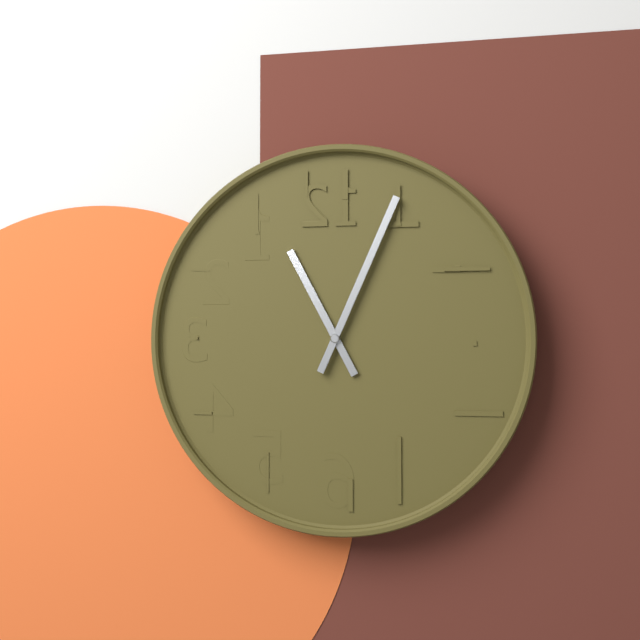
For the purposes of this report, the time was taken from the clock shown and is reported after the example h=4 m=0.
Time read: h=11 m=4
